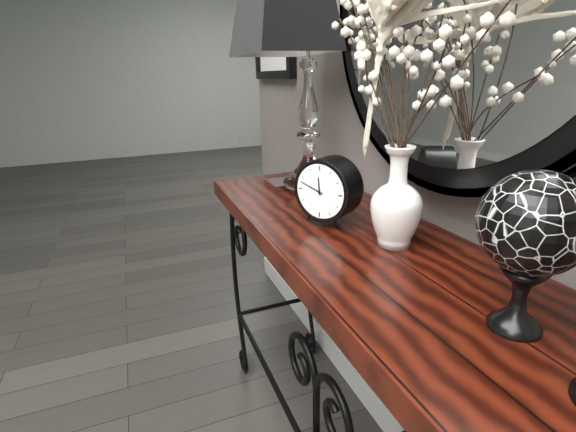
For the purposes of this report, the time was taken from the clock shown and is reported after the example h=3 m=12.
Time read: h=11 m=48
